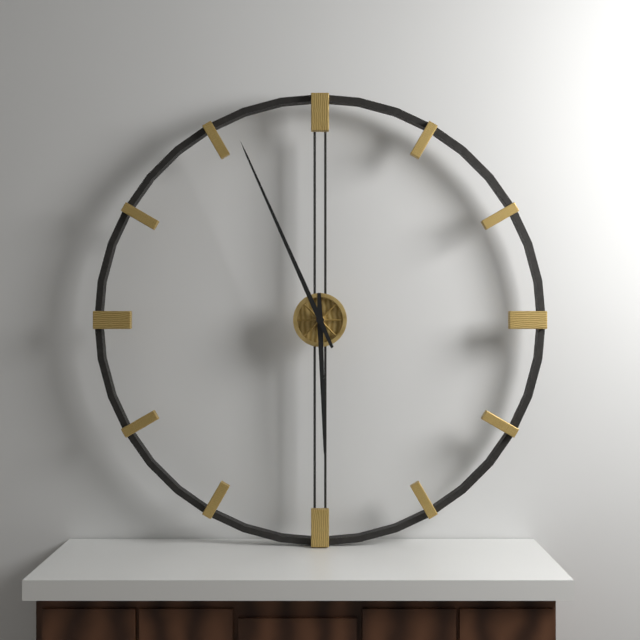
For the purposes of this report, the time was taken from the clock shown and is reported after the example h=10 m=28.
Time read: h=5 m=56
